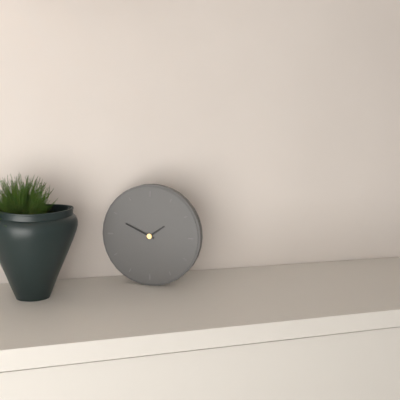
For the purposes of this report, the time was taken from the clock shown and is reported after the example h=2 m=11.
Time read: h=1 m=49
